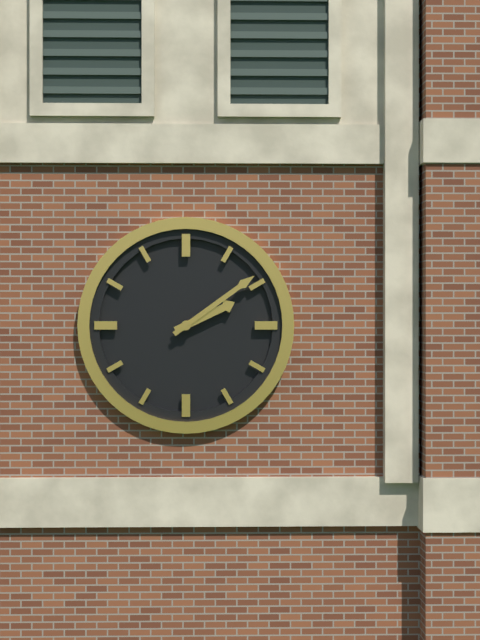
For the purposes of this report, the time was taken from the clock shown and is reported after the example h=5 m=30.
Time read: h=2 m=9
